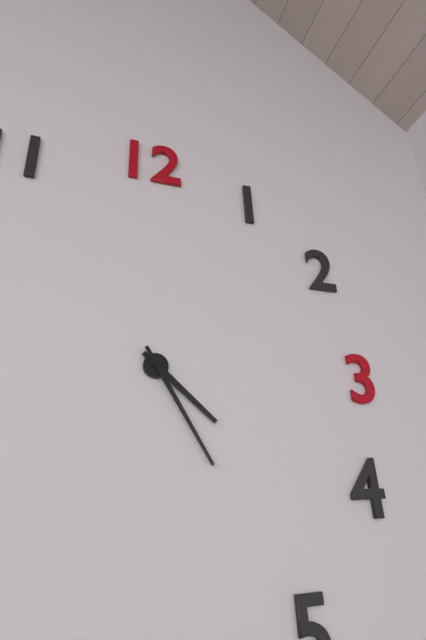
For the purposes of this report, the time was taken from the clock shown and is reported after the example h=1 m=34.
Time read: h=4 m=25
